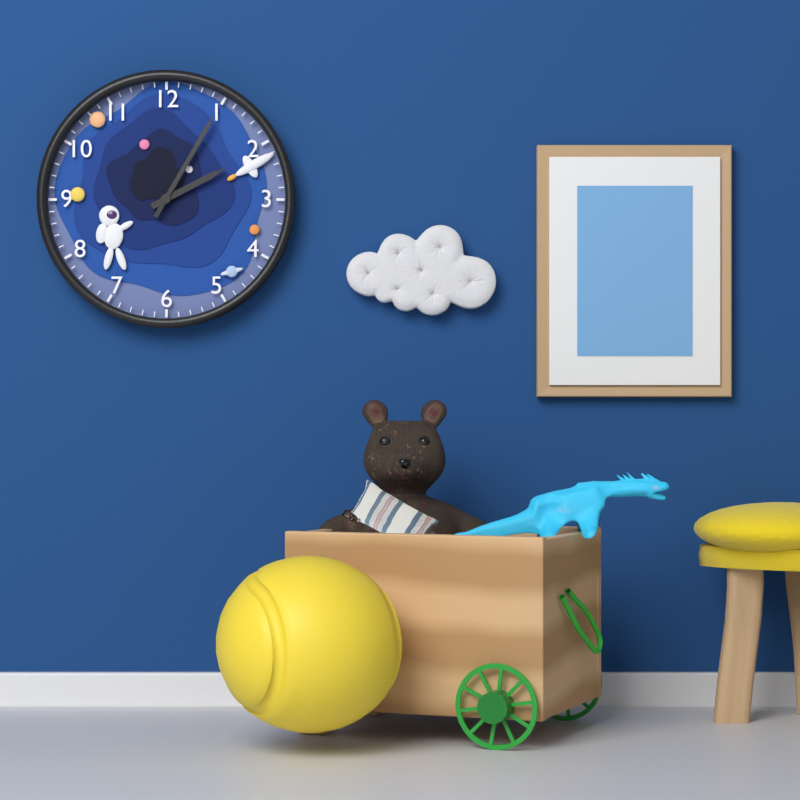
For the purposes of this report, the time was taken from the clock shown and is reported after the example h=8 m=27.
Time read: h=2 m=5
